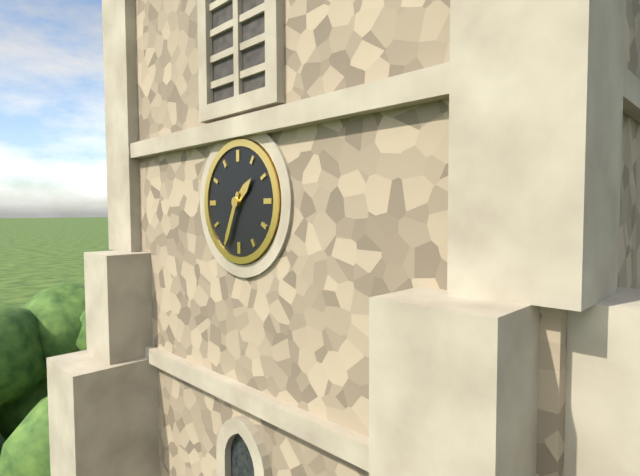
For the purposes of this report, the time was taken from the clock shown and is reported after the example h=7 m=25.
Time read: h=1 m=34
